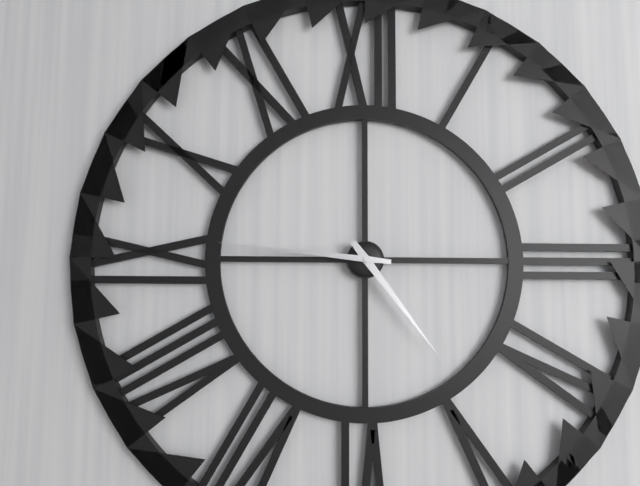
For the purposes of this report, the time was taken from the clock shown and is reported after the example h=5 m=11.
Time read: h=4 m=46
